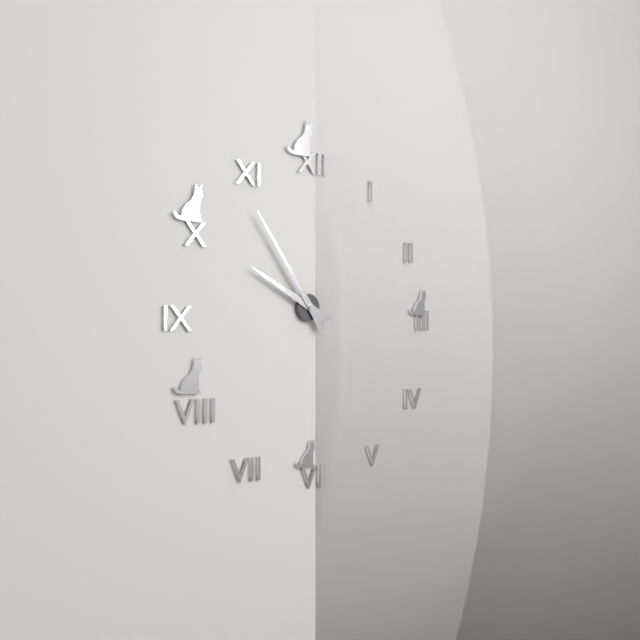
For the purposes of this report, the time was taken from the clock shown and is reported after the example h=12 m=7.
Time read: h=9 m=54
